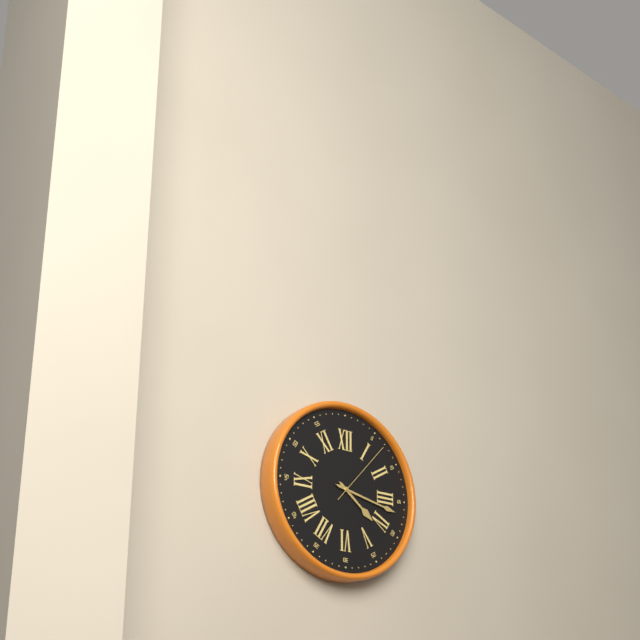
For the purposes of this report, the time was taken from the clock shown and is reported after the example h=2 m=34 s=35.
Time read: h=4 m=17 s=7
